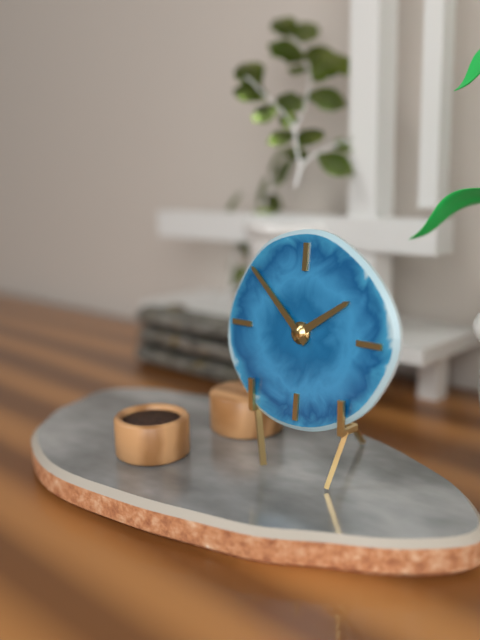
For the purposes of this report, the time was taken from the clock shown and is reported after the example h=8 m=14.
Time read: h=1 m=52
